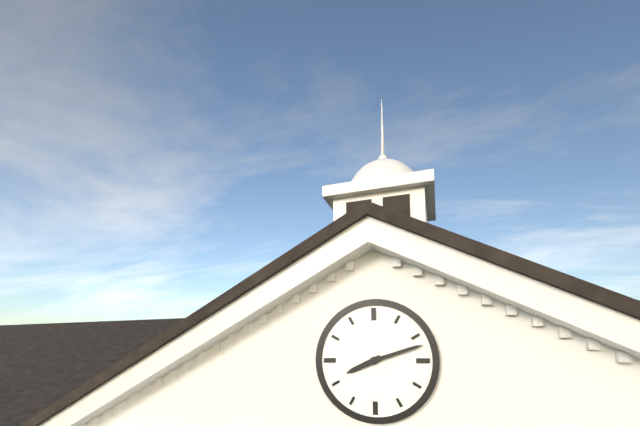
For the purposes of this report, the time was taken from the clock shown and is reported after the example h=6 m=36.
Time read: h=8 m=12
